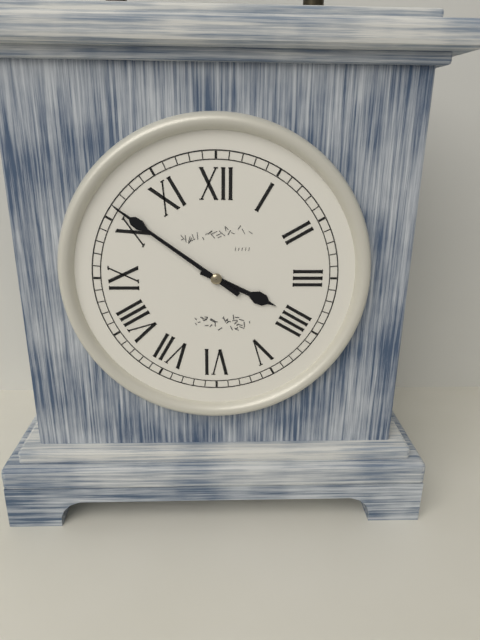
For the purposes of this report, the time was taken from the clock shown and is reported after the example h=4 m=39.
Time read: h=3 m=51
